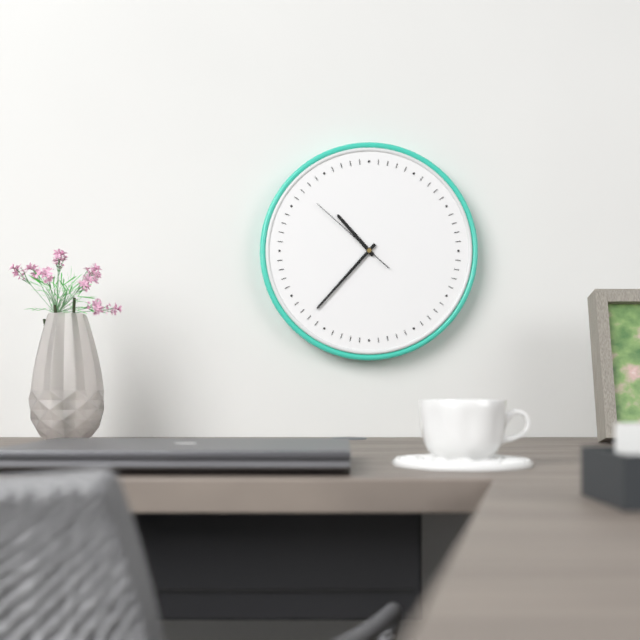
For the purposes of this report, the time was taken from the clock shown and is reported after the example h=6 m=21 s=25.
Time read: h=10 m=37 s=52
